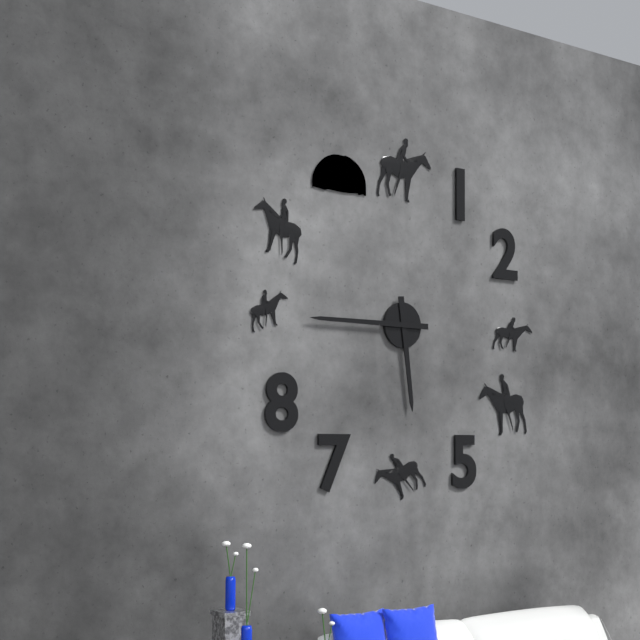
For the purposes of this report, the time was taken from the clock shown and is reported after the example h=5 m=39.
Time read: h=5 m=45
